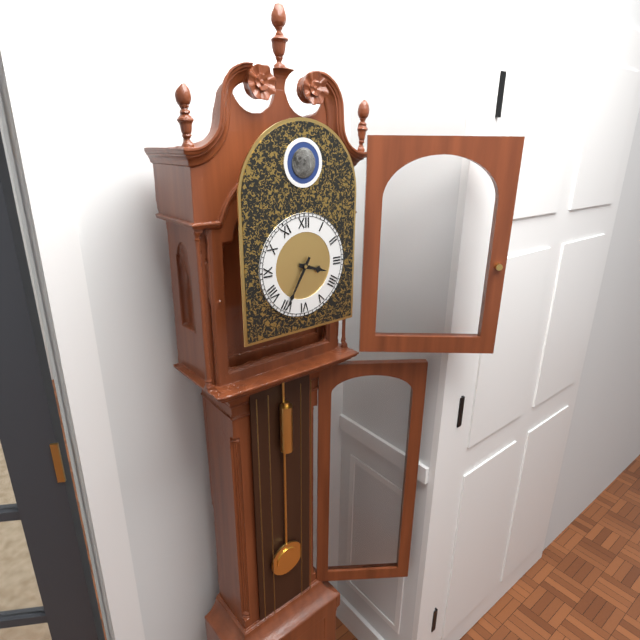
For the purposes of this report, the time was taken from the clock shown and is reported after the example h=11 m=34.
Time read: h=3 m=35
